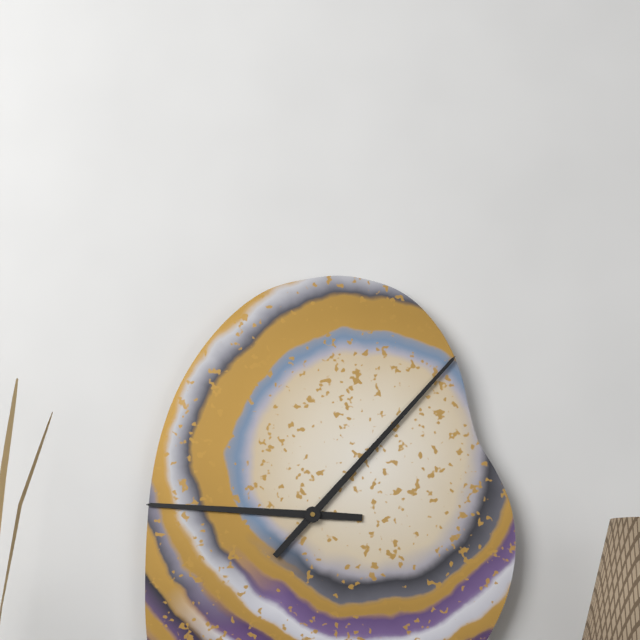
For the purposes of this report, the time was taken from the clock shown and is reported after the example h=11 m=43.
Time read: h=9 m=7
